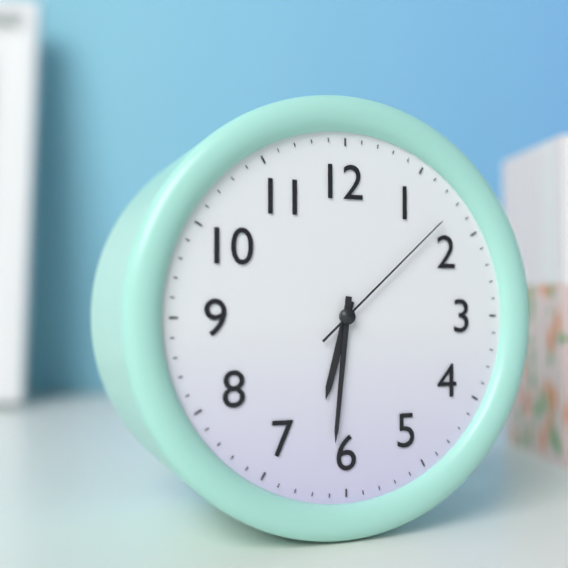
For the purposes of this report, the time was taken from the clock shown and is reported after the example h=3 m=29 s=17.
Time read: h=6 m=31 s=8
